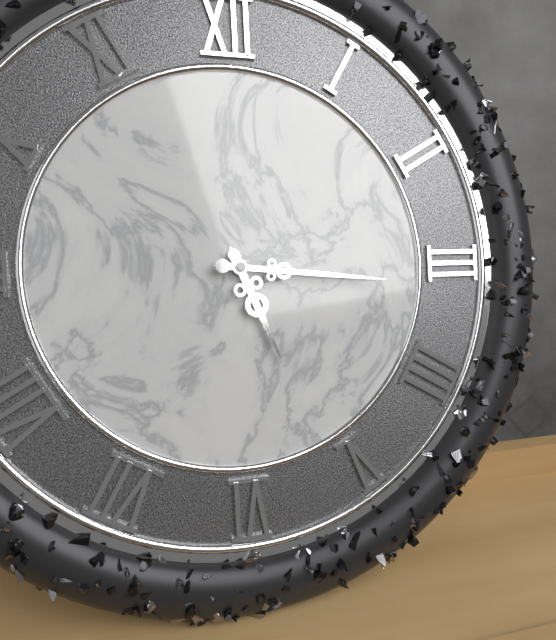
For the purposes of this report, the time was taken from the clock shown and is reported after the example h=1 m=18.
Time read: h=5 m=16
